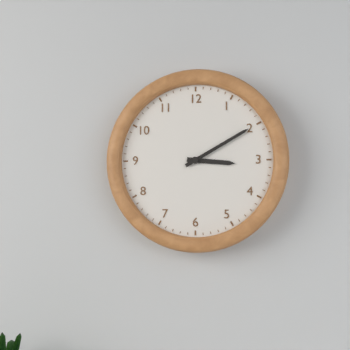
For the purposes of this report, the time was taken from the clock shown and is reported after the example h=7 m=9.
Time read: h=3 m=10
